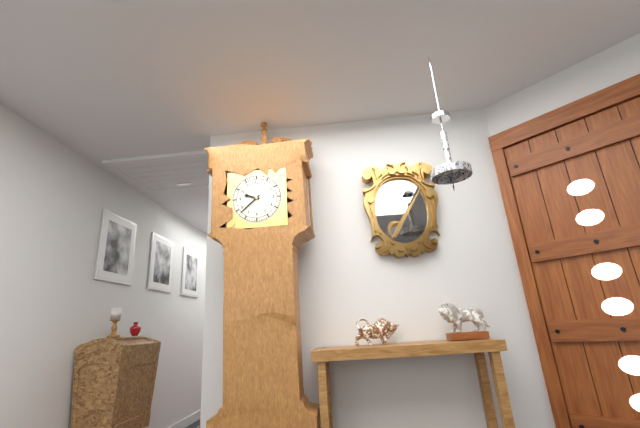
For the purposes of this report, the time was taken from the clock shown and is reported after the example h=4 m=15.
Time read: h=9 m=38
